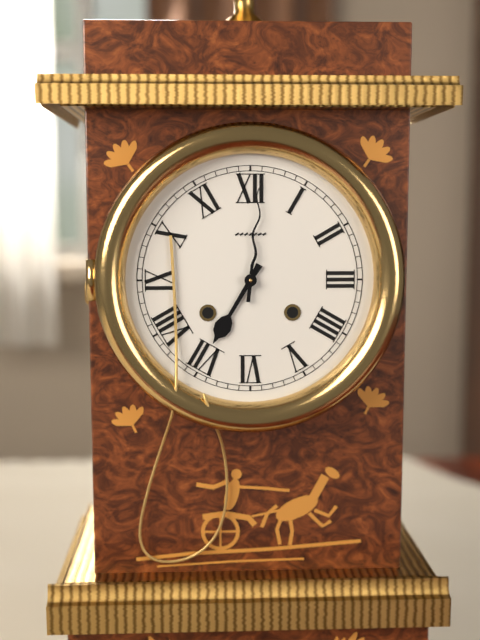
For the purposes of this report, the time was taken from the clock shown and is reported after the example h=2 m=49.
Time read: h=7 m=1
